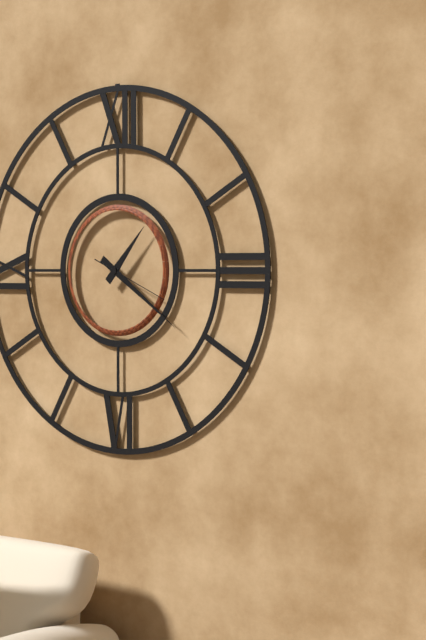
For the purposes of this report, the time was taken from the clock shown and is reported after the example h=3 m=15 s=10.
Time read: h=1 m=21 s=19
